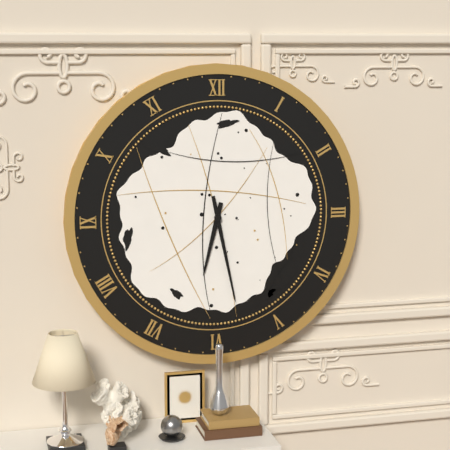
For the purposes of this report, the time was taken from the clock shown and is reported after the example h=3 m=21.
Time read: h=6 m=28
